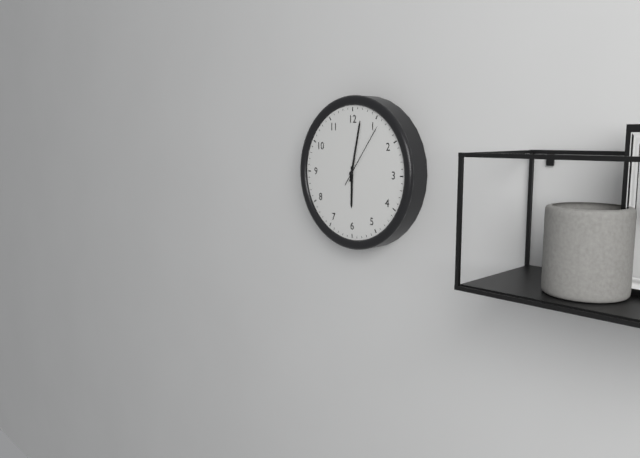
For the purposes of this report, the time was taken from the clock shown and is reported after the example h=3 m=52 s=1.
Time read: h=6 m=2 s=6
